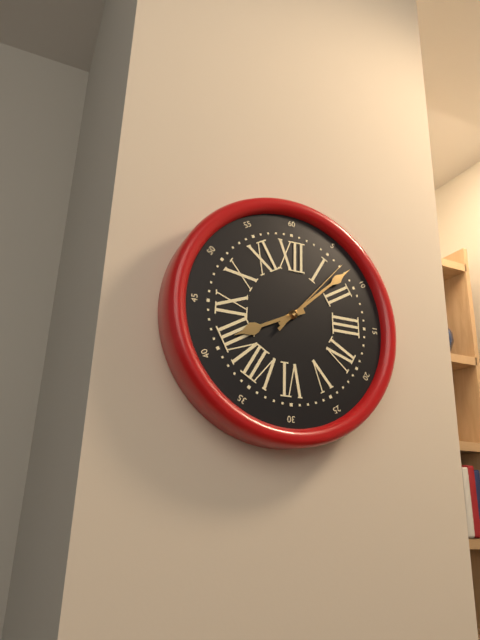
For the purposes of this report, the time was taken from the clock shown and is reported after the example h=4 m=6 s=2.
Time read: h=8 m=8 s=7
